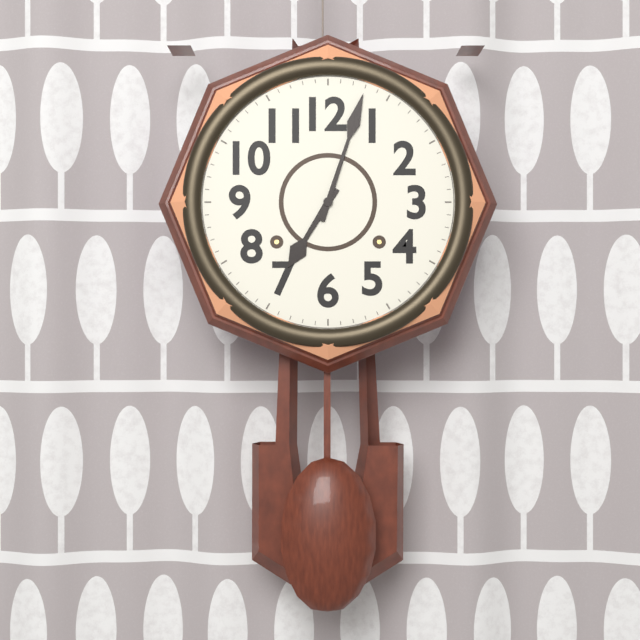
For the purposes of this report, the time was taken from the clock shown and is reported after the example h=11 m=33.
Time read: h=7 m=3
